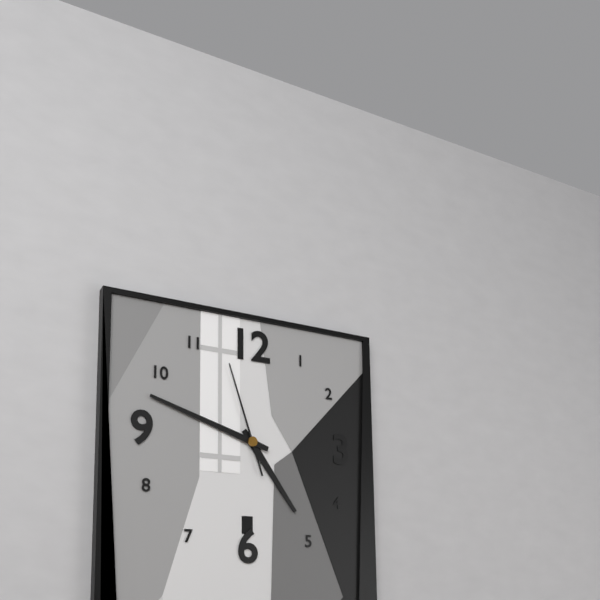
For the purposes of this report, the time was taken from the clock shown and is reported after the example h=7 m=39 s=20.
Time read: h=4 m=48 s=57
